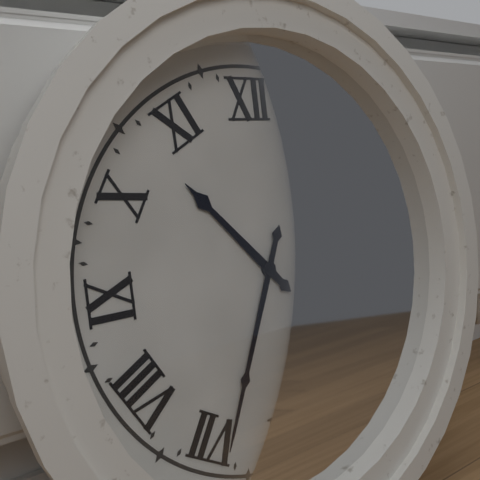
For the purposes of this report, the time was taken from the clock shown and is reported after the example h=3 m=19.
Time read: h=10 m=34
